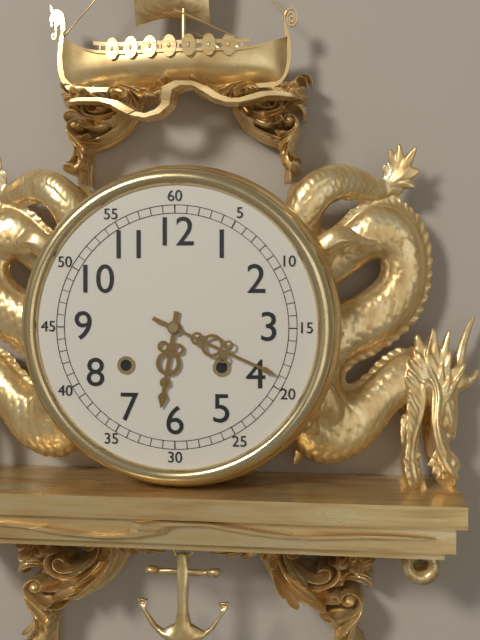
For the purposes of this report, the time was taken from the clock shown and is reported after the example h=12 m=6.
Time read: h=6 m=19
